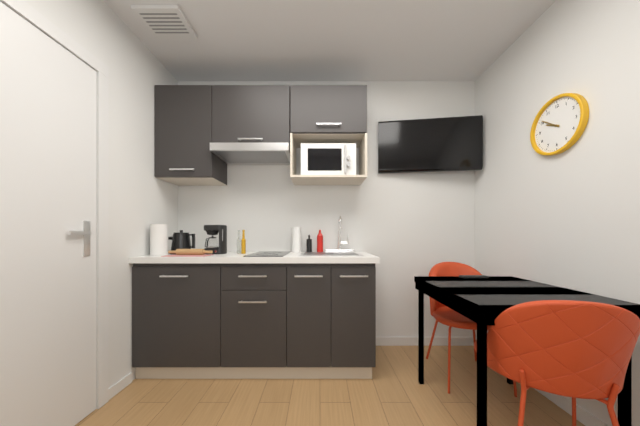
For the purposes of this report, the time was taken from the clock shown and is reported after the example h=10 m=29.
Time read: h=9 m=51
